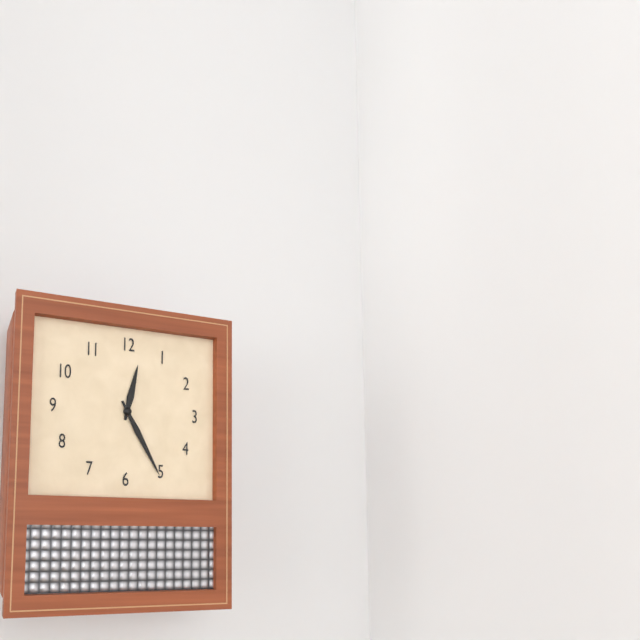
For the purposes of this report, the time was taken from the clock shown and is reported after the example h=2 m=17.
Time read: h=12 m=25
